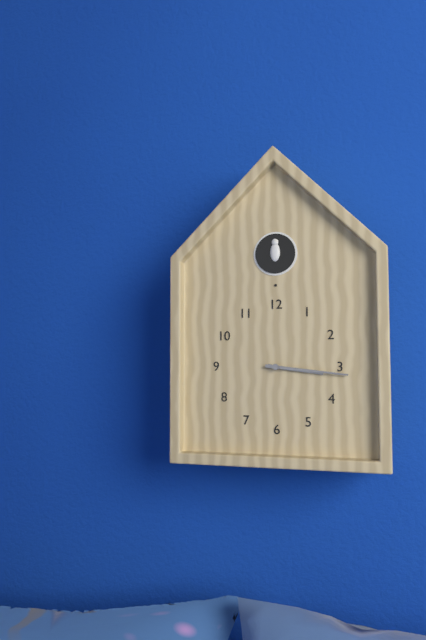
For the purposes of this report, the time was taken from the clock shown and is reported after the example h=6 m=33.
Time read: h=3 m=16
